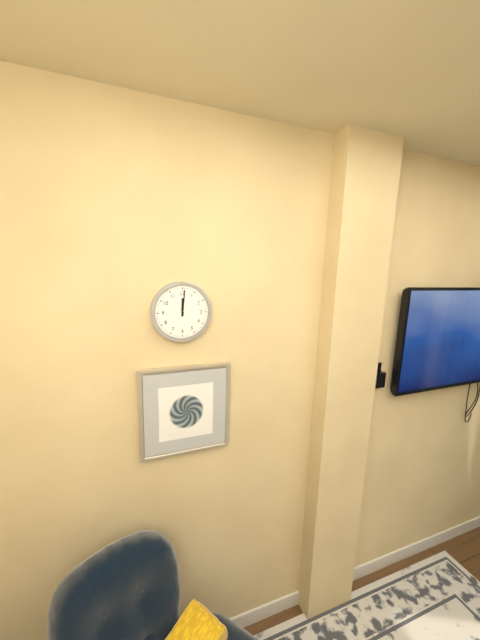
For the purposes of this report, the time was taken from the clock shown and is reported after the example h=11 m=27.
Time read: h=12 m=1
